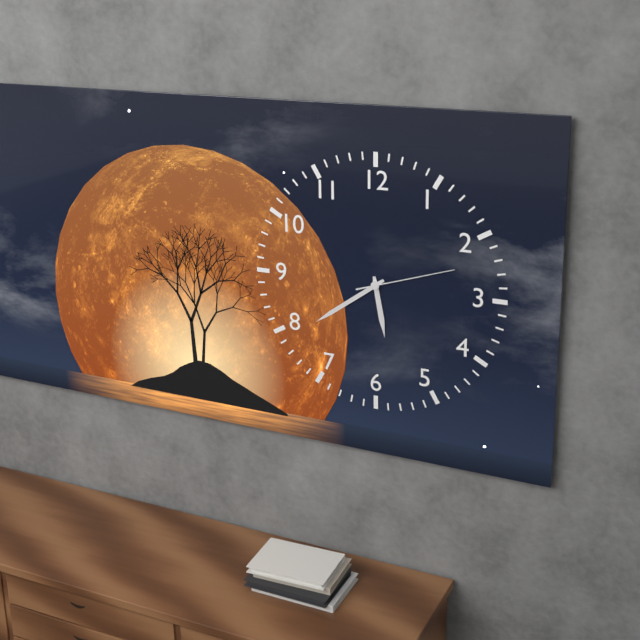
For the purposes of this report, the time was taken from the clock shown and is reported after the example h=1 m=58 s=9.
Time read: h=5 m=39 s=12
